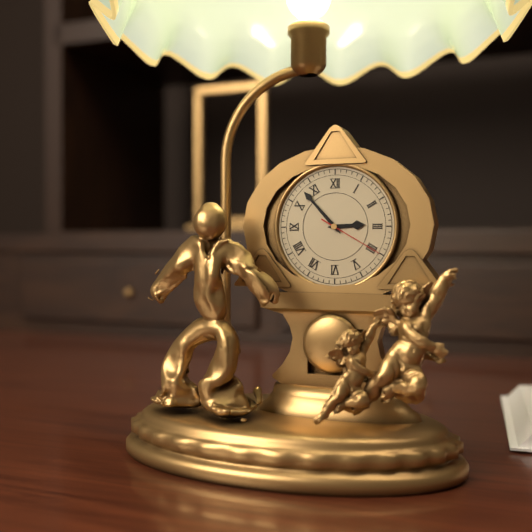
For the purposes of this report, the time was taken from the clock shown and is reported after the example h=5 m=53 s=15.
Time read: h=2 m=53 s=20
